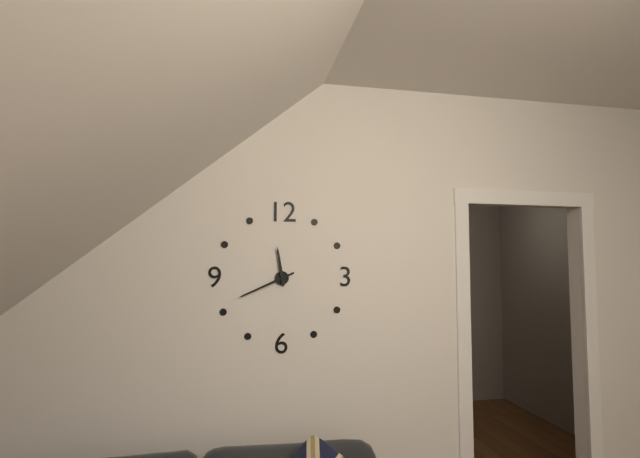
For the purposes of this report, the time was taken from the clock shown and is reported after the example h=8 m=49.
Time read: h=11 m=41
